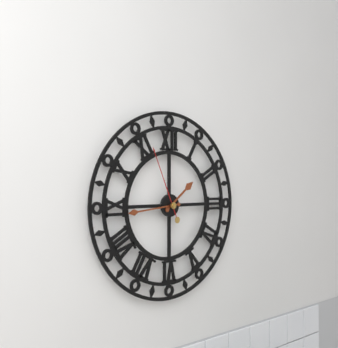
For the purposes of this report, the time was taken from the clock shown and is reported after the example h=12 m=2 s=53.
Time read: h=1 m=44 s=56
